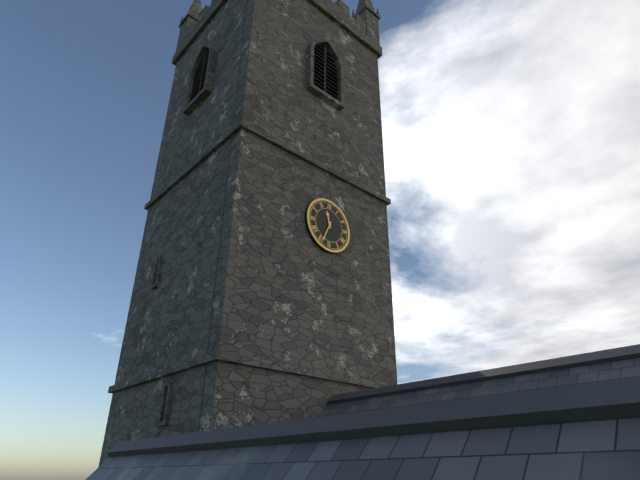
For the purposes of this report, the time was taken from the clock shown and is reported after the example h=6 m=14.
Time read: h=11 m=34
